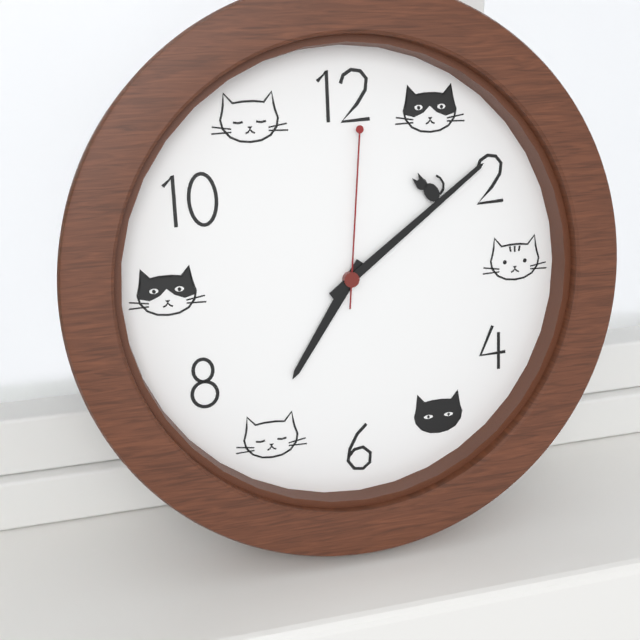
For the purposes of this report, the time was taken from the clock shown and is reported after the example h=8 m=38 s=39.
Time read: h=7 m=9 s=1
